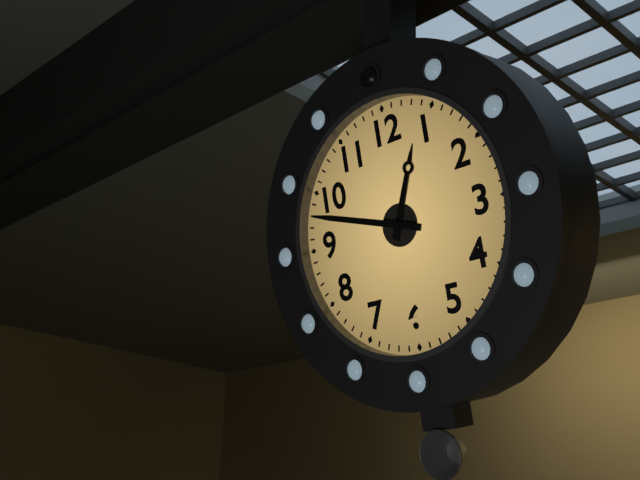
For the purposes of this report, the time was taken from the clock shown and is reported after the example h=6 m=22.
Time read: h=12 m=48
